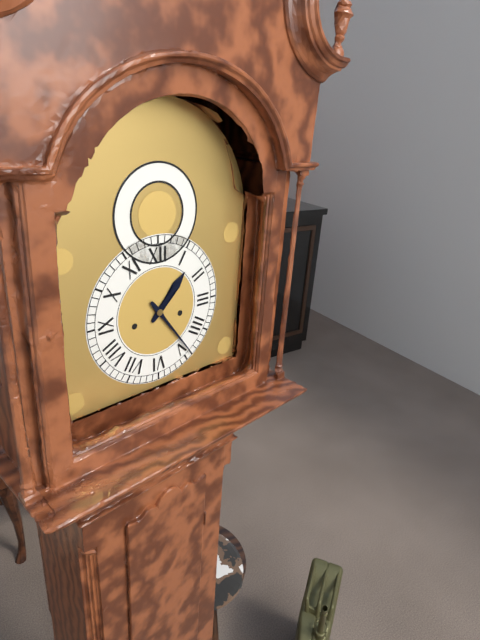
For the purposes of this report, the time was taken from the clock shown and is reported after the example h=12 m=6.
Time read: h=1 m=24
